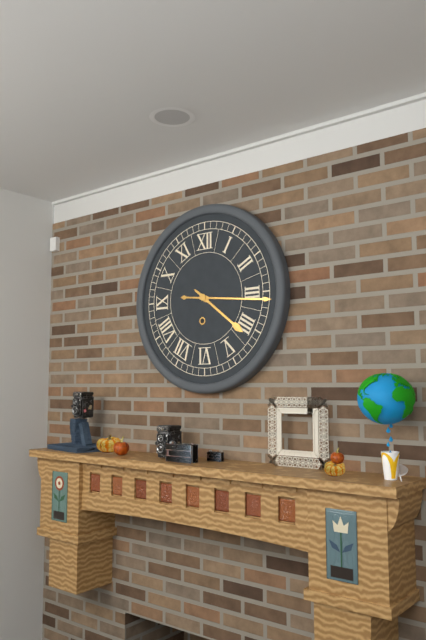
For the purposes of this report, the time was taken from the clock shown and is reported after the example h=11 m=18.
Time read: h=4 m=16
